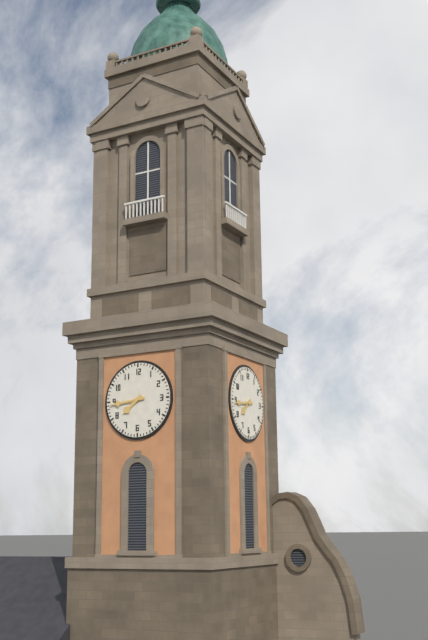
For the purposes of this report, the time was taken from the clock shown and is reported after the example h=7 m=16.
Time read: h=7 m=44
